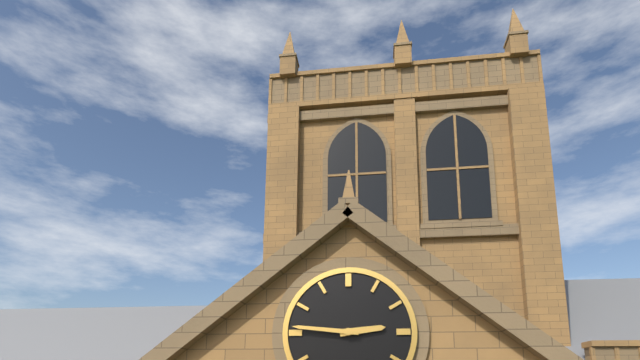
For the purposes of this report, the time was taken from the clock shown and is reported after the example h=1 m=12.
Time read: h=2 m=46
